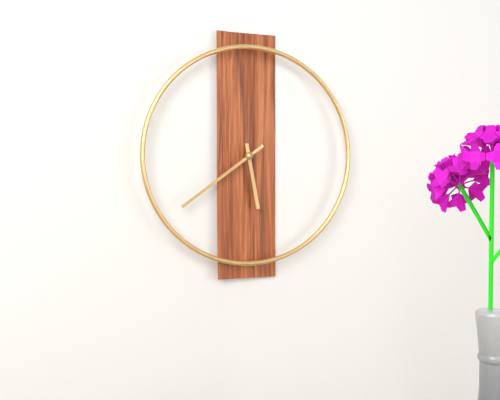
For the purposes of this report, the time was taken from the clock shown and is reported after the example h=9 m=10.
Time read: h=5 m=39
